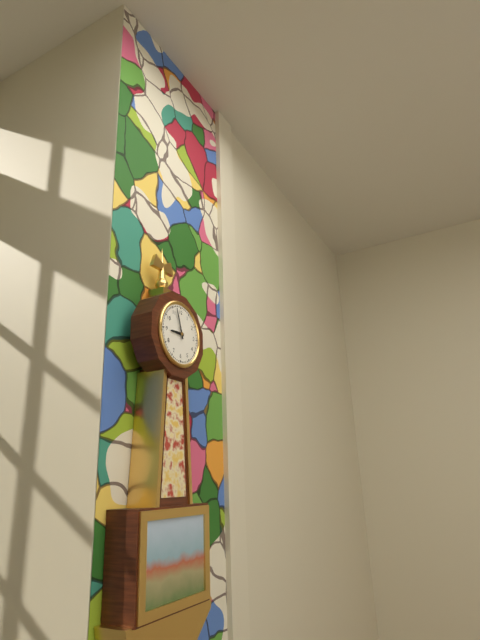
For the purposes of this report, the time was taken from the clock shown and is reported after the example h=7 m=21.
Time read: h=8 m=57
